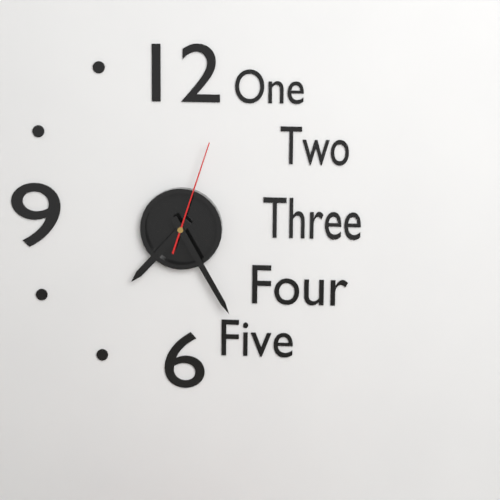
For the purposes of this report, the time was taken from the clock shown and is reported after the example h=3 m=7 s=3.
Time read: h=7 m=25 s=3
